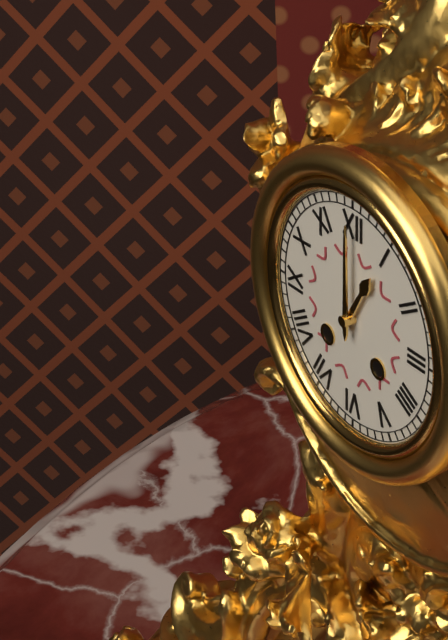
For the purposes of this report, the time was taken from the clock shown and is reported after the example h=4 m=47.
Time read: h=1 m=0
